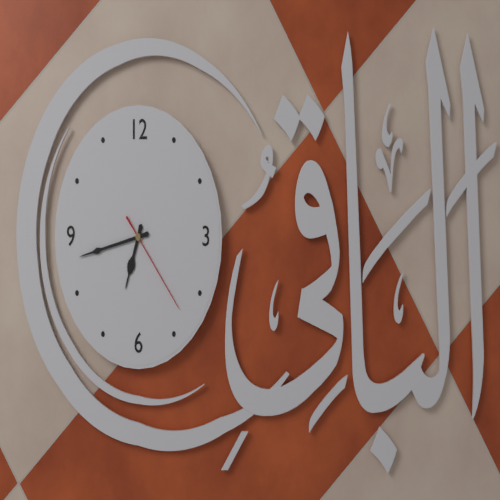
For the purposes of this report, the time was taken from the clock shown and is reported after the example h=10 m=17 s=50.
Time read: h=6 m=43 s=23
